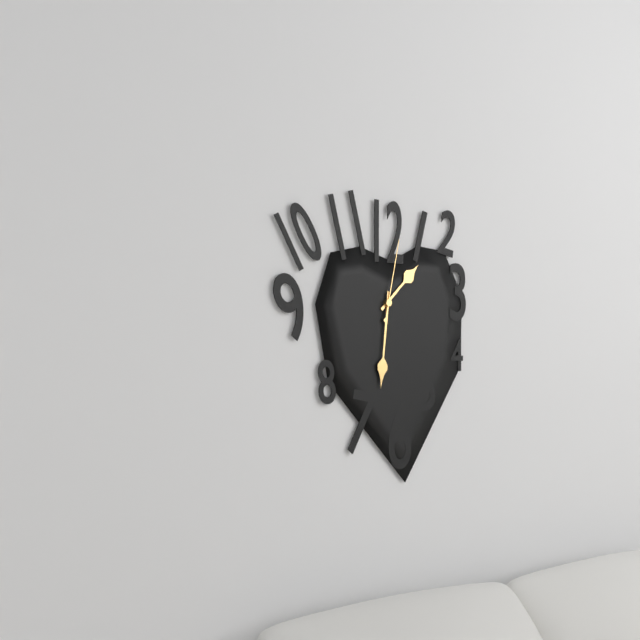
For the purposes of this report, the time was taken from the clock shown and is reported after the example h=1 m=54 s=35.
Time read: h=1 m=31 s=2
